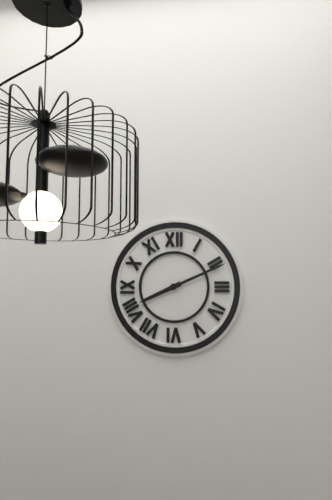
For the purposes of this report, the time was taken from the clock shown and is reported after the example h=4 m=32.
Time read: h=8 m=11
